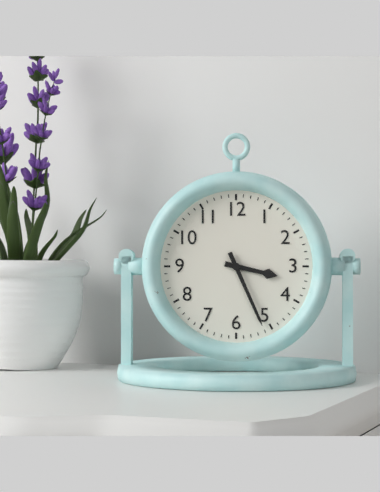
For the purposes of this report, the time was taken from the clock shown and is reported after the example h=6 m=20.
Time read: h=3 m=26
